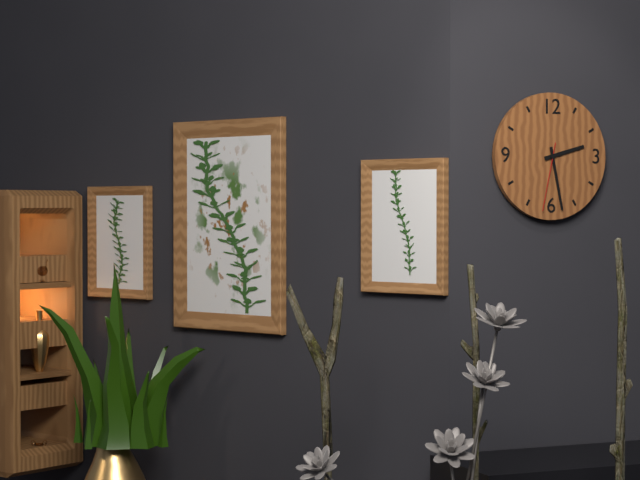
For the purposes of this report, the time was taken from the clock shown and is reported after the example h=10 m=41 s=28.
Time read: h=2 m=28 s=32
